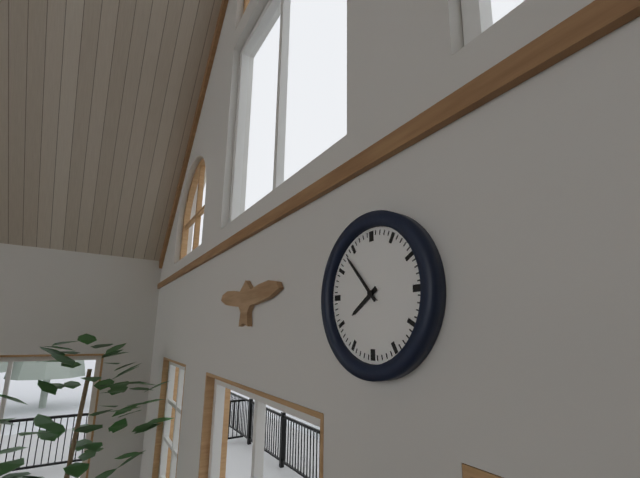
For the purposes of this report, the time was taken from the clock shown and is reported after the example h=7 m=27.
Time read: h=7 m=53
